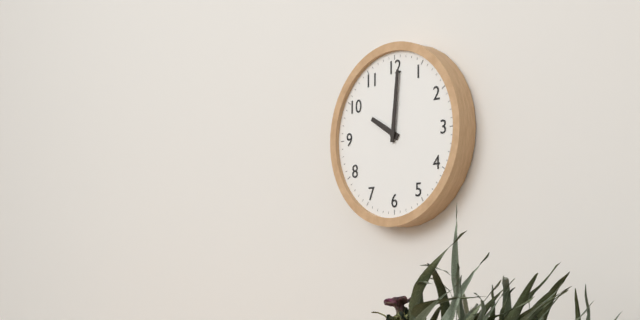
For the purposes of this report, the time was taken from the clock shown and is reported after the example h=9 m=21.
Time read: h=10 m=1
